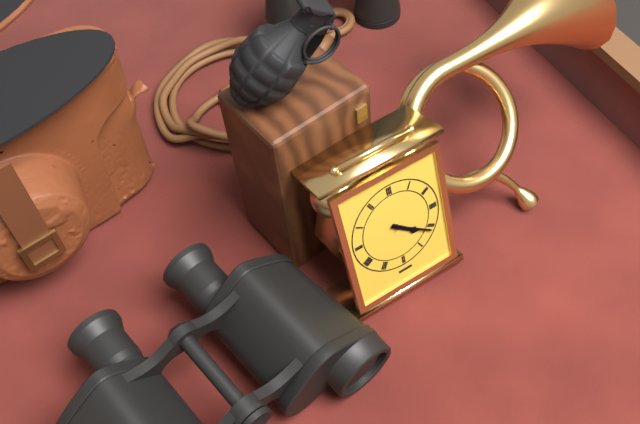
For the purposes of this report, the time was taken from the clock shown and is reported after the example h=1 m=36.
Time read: h=4 m=21
